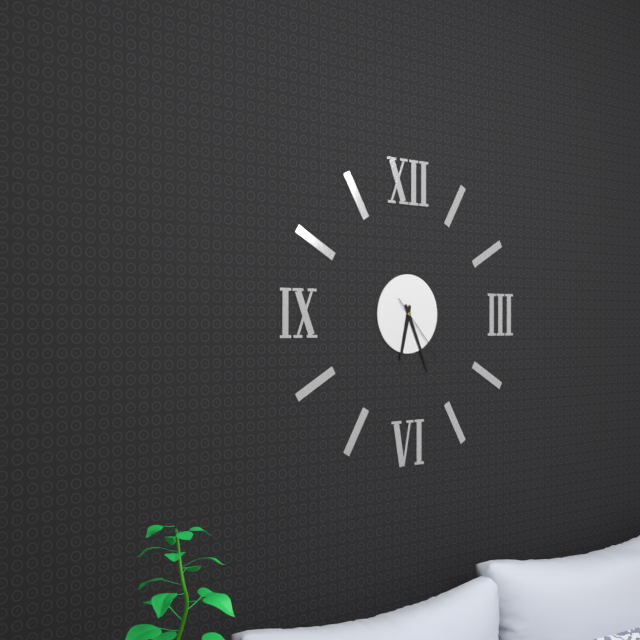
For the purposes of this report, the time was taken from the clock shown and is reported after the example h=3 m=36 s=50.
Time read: h=6 m=26 s=23
